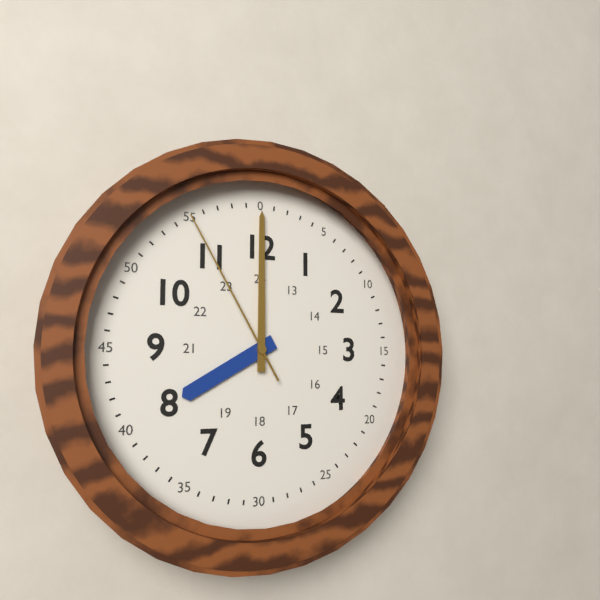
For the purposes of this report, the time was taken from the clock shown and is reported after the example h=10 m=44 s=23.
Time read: h=8 m=0 s=55
